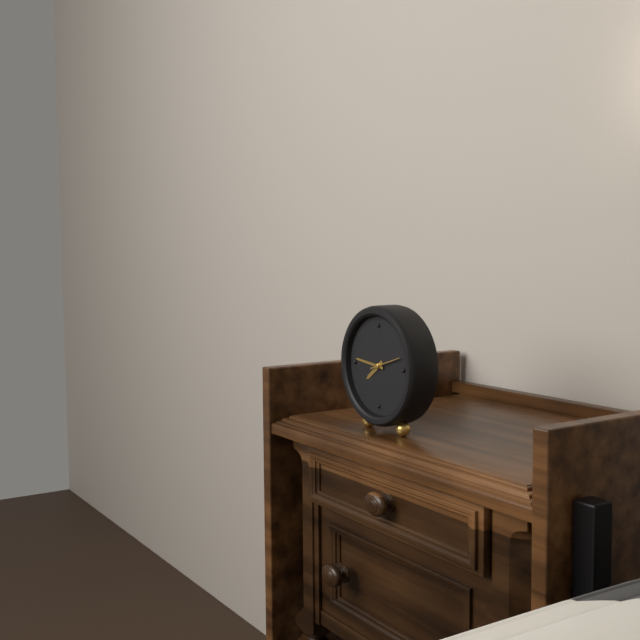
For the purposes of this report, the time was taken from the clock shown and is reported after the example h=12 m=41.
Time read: h=7 m=46
